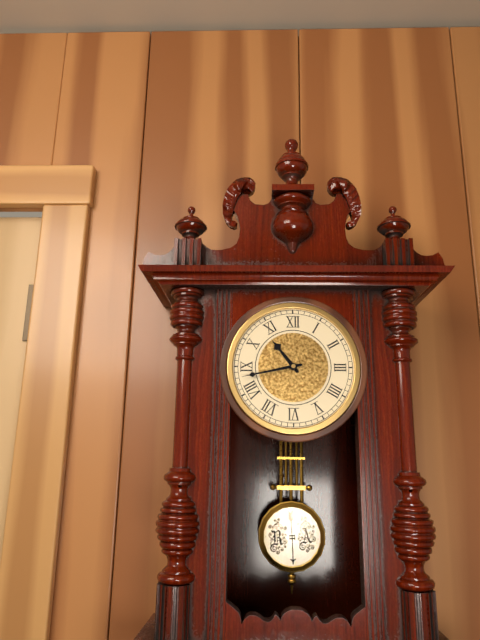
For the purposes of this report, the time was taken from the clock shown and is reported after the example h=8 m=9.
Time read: h=10 m=43
